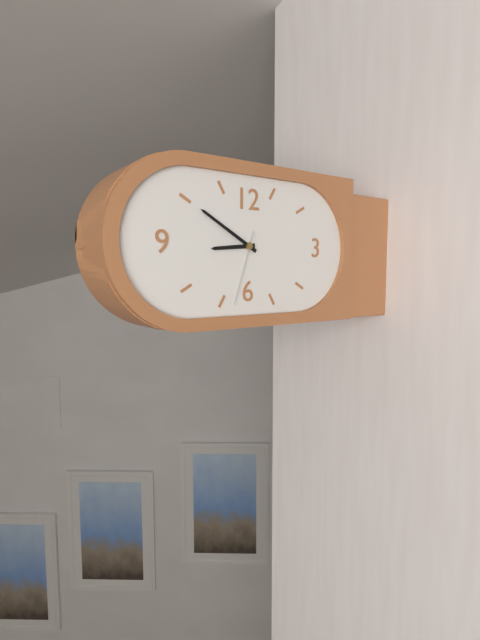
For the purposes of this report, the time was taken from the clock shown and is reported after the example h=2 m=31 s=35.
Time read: h=8 m=50 s=33
